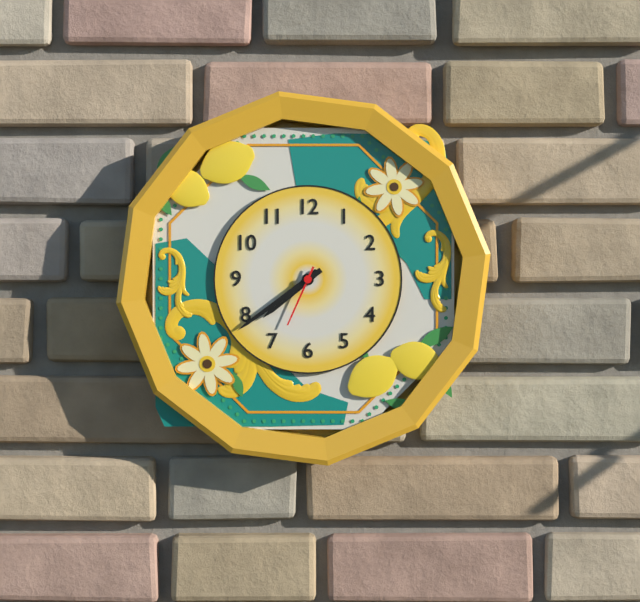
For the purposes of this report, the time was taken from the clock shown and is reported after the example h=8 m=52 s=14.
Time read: h=7 m=39 s=34
